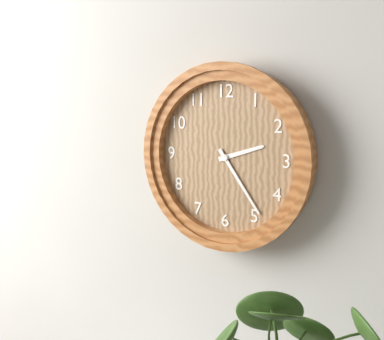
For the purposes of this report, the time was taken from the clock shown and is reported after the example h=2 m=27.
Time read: h=2 m=24
